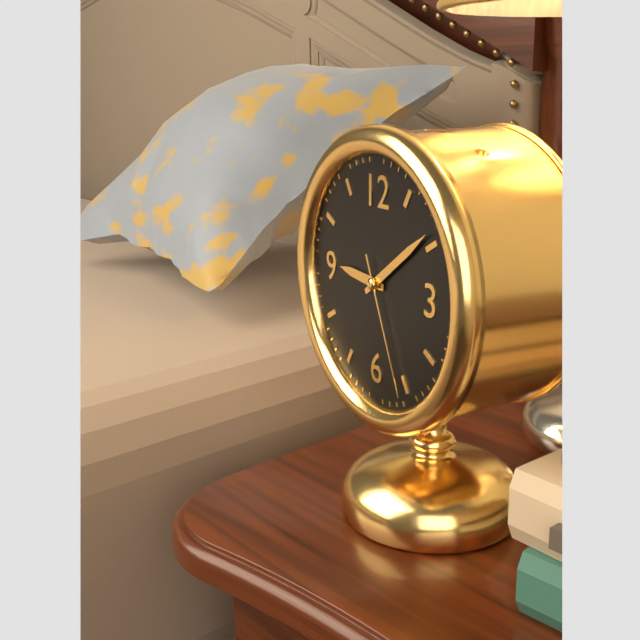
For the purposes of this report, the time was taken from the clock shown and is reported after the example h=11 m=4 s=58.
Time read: h=9 m=9 s=26
